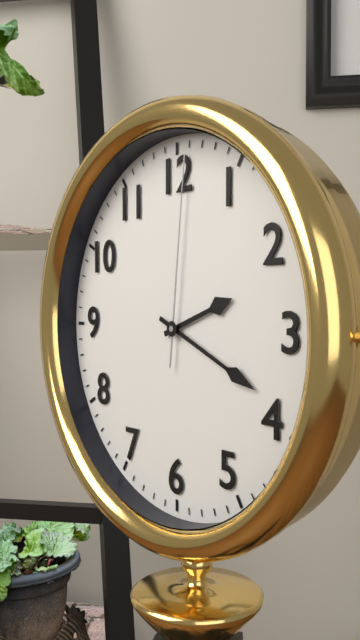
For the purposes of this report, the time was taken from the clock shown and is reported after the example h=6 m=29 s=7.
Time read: h=2 m=19 s=1
